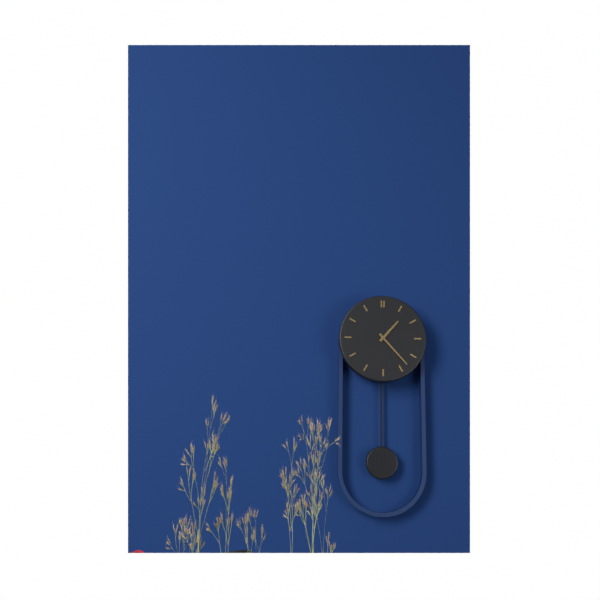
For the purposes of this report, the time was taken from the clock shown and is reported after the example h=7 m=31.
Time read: h=1 m=23
